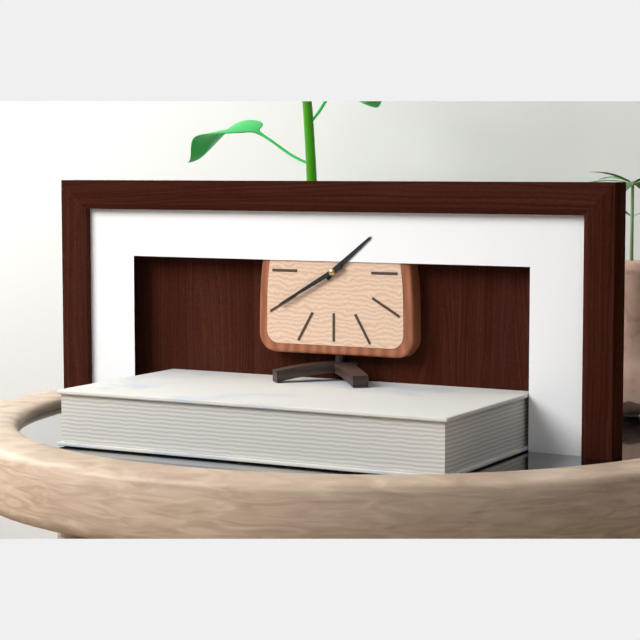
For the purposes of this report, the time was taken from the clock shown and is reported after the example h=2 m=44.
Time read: h=1 m=40
